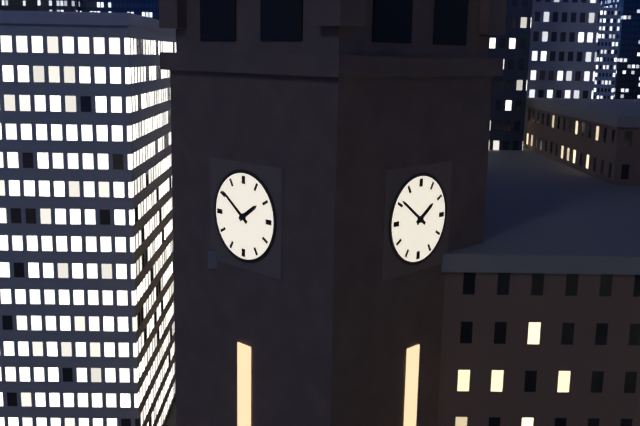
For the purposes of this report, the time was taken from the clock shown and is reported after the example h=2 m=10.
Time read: h=1 m=51
